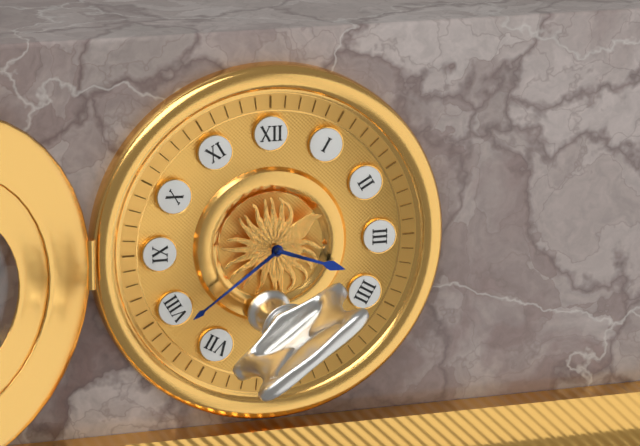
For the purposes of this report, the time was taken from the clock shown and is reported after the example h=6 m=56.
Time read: h=3 m=39
